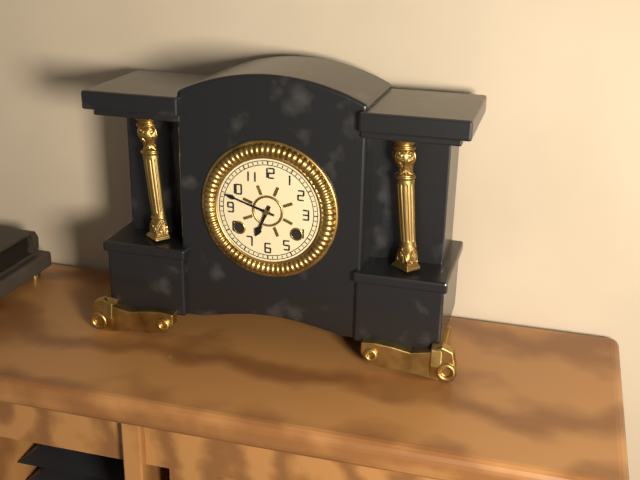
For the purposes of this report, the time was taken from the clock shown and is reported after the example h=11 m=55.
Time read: h=6 m=48
